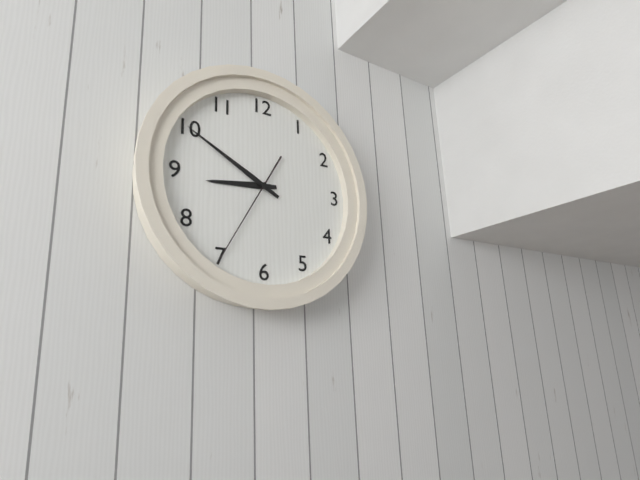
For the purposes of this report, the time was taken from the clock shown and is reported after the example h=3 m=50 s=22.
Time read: h=8 m=50 s=35
